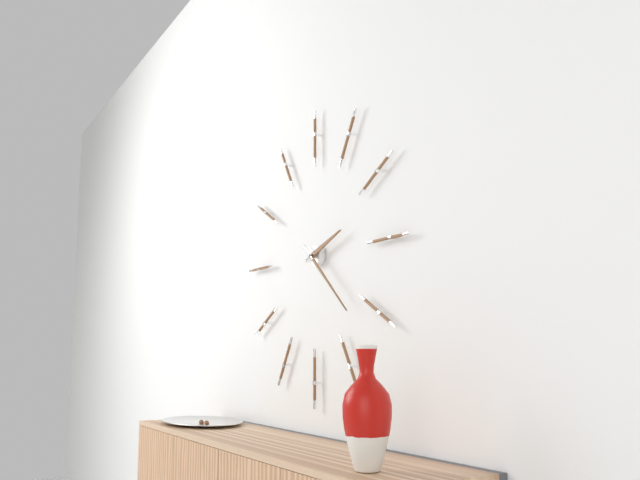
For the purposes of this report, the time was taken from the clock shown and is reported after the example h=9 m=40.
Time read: h=2 m=22
